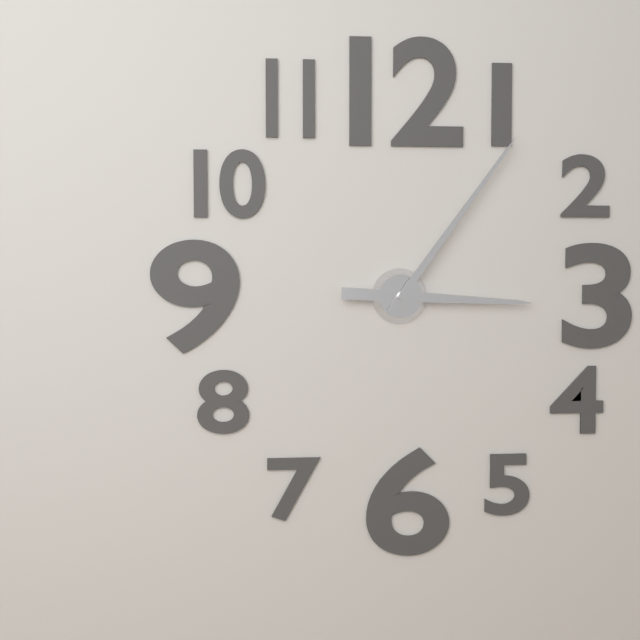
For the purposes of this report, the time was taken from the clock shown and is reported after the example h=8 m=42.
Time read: h=3 m=6
